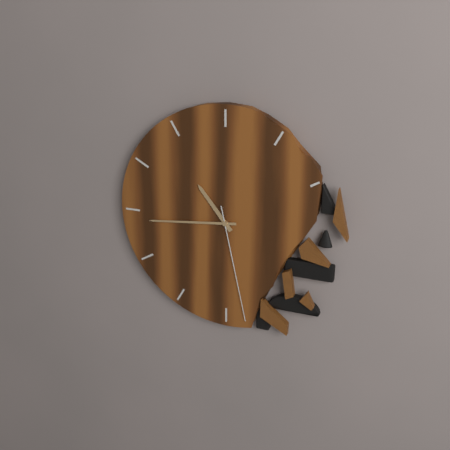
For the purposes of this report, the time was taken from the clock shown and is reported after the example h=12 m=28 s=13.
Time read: h=10 m=44 s=28
